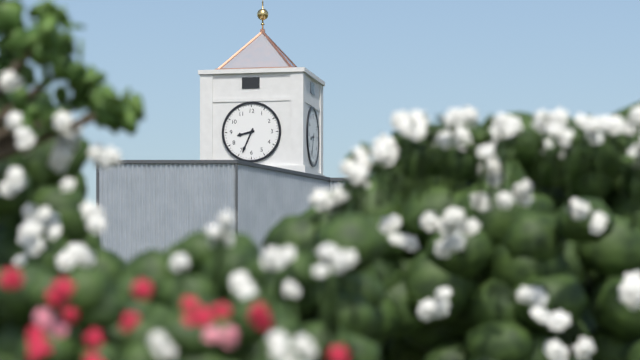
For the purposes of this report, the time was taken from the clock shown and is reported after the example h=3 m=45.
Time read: h=8 m=34
